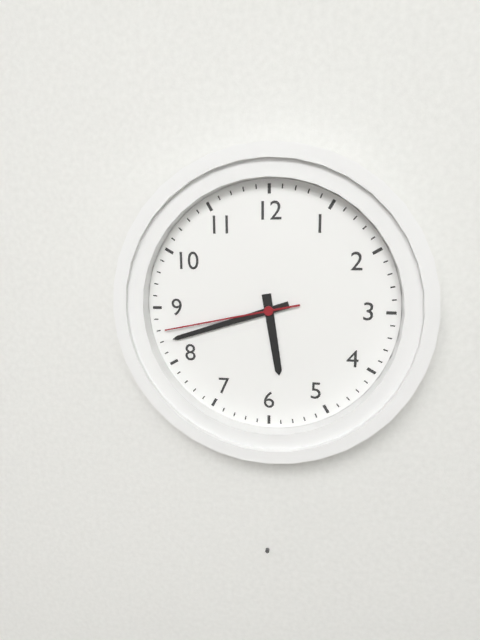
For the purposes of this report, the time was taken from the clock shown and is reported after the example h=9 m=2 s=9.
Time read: h=5 m=42 s=43
